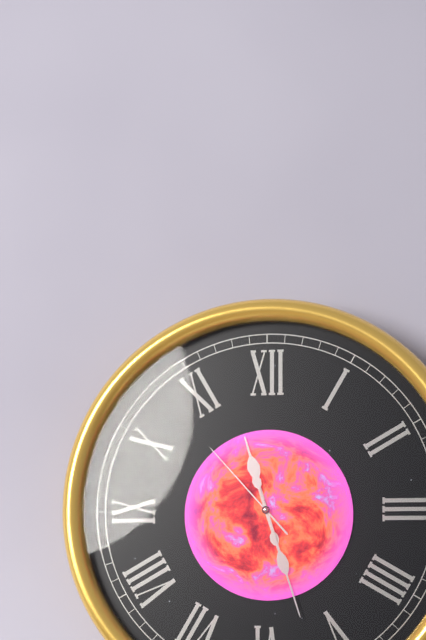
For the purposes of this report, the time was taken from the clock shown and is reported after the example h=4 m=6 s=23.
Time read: h=11 m=27 s=53
